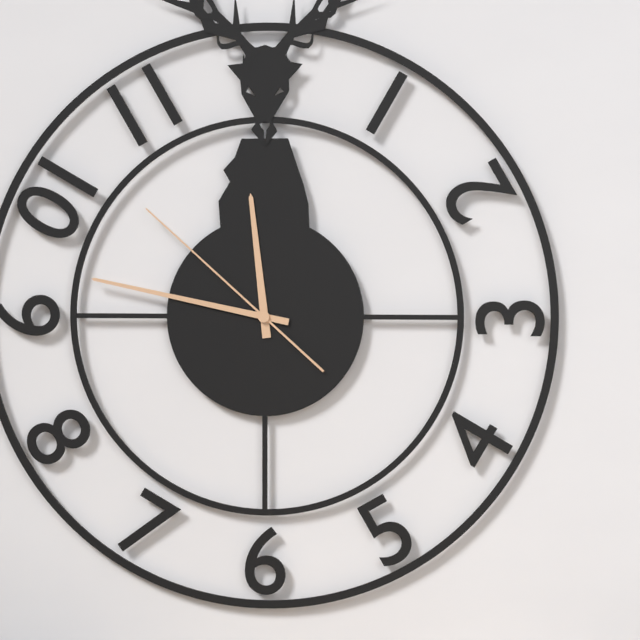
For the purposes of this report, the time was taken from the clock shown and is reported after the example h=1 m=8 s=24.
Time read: h=11 m=47 s=52
